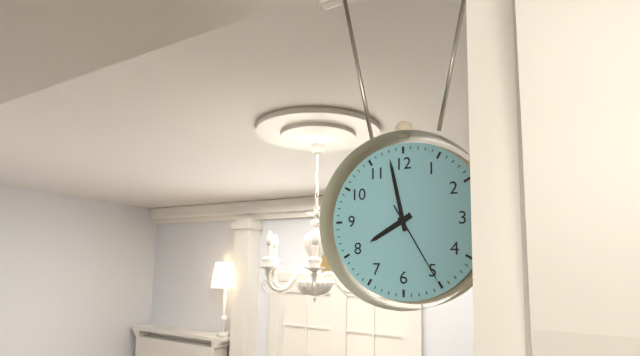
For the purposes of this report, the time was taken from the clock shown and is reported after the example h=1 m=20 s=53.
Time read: h=7 m=58 s=25
